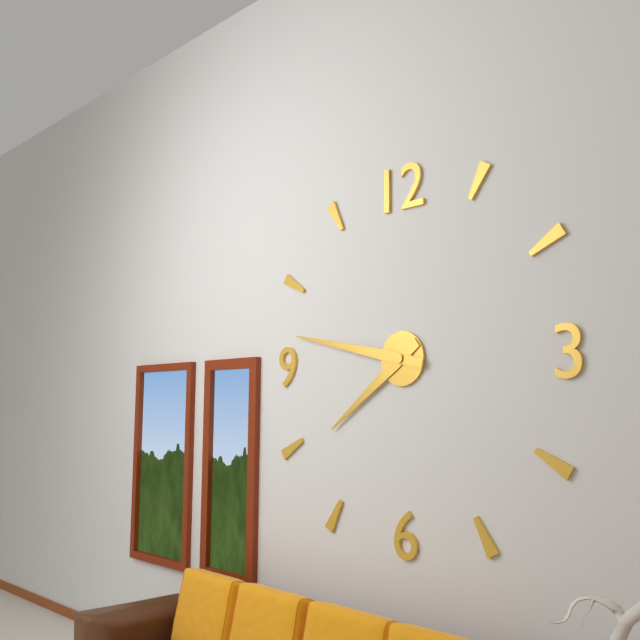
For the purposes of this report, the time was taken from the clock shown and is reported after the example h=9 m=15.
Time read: h=7 m=47
